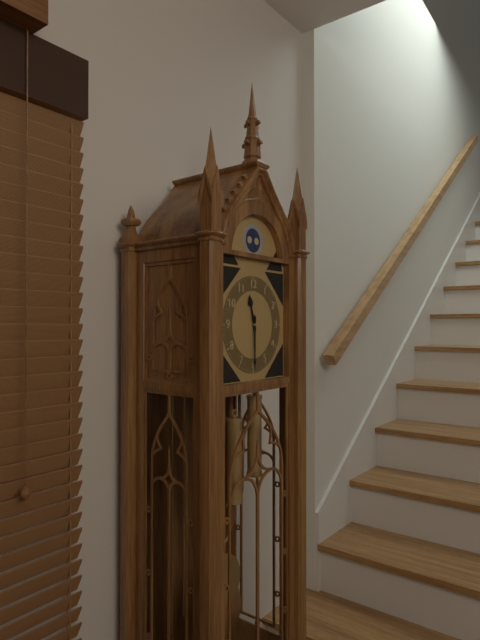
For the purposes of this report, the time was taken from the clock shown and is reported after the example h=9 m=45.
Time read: h=11 m=30
